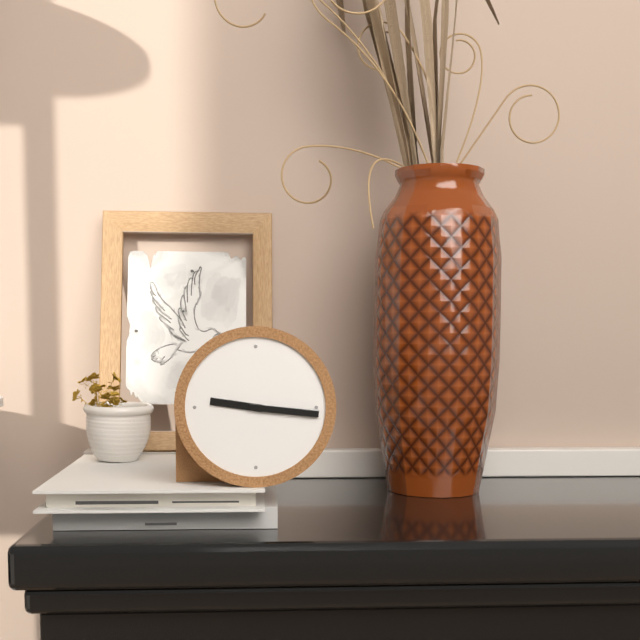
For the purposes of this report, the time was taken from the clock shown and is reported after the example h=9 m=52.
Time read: h=9 m=16
